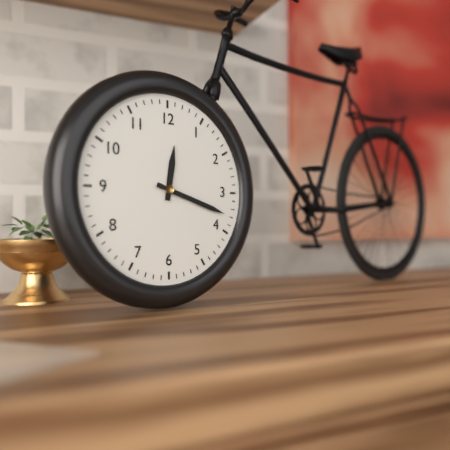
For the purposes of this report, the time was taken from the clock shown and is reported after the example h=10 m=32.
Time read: h=12 m=18
